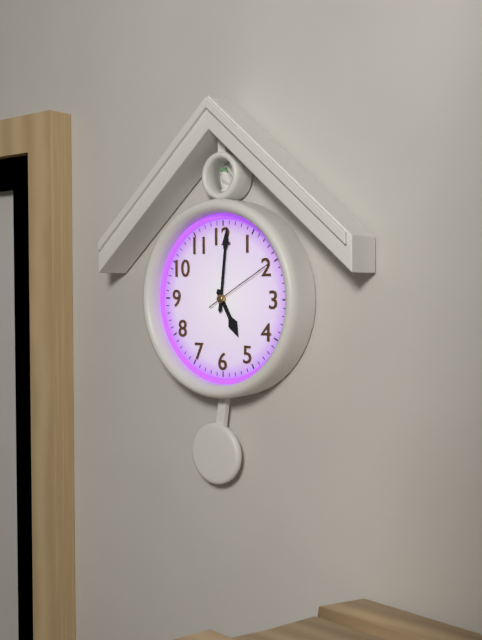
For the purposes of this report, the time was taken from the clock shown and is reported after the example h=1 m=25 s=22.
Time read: h=5 m=1 s=10
